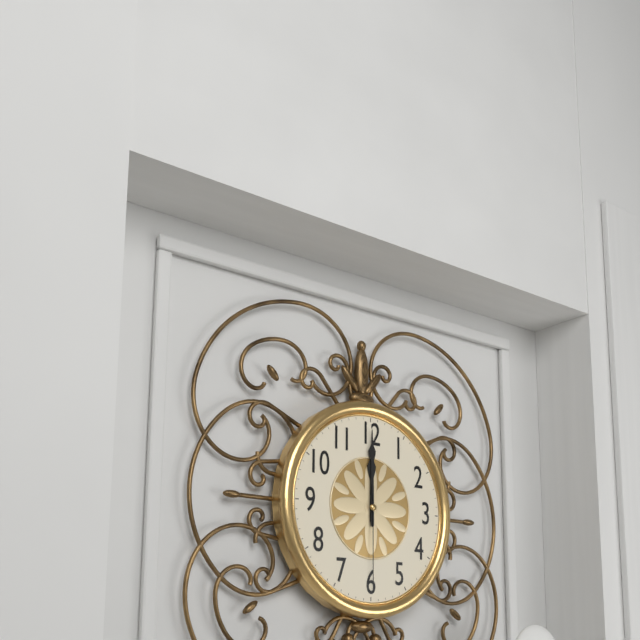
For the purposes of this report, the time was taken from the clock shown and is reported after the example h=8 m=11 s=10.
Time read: h=12 m=0 s=30
